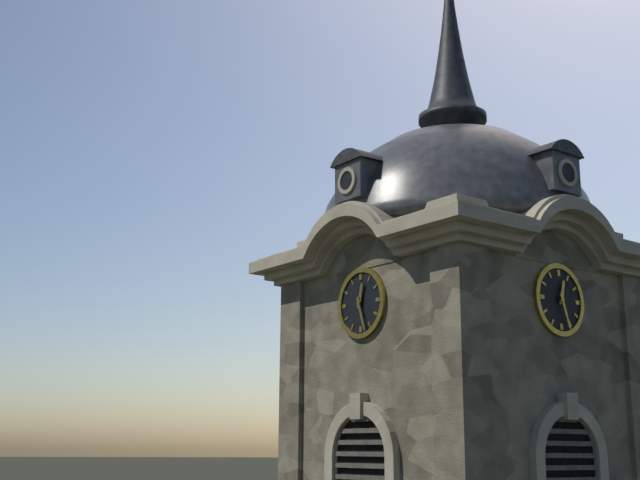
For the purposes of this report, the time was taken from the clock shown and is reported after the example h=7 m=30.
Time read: h=12 m=27
